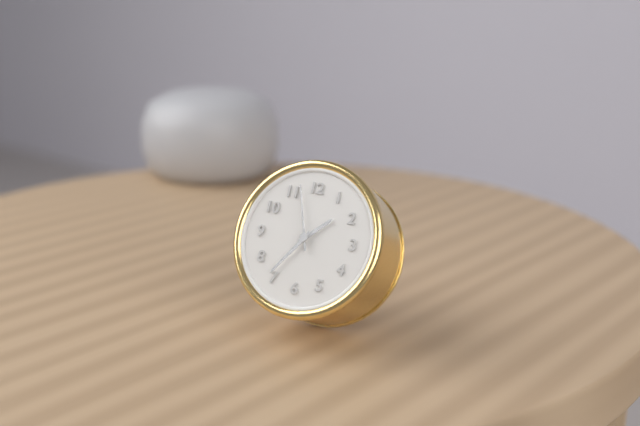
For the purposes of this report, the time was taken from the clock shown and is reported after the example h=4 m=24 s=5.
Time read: h=1 m=36 s=57
